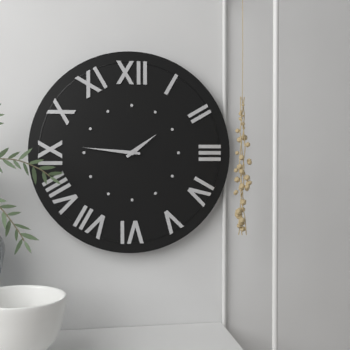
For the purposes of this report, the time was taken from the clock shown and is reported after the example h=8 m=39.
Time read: h=1 m=46
